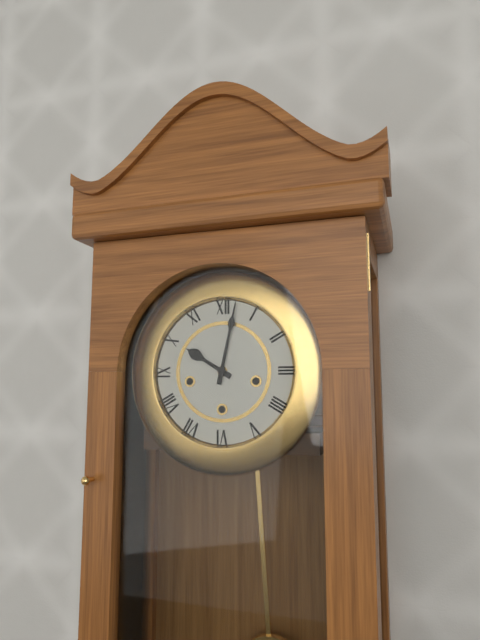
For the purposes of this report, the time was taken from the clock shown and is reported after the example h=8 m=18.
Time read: h=10 m=2
